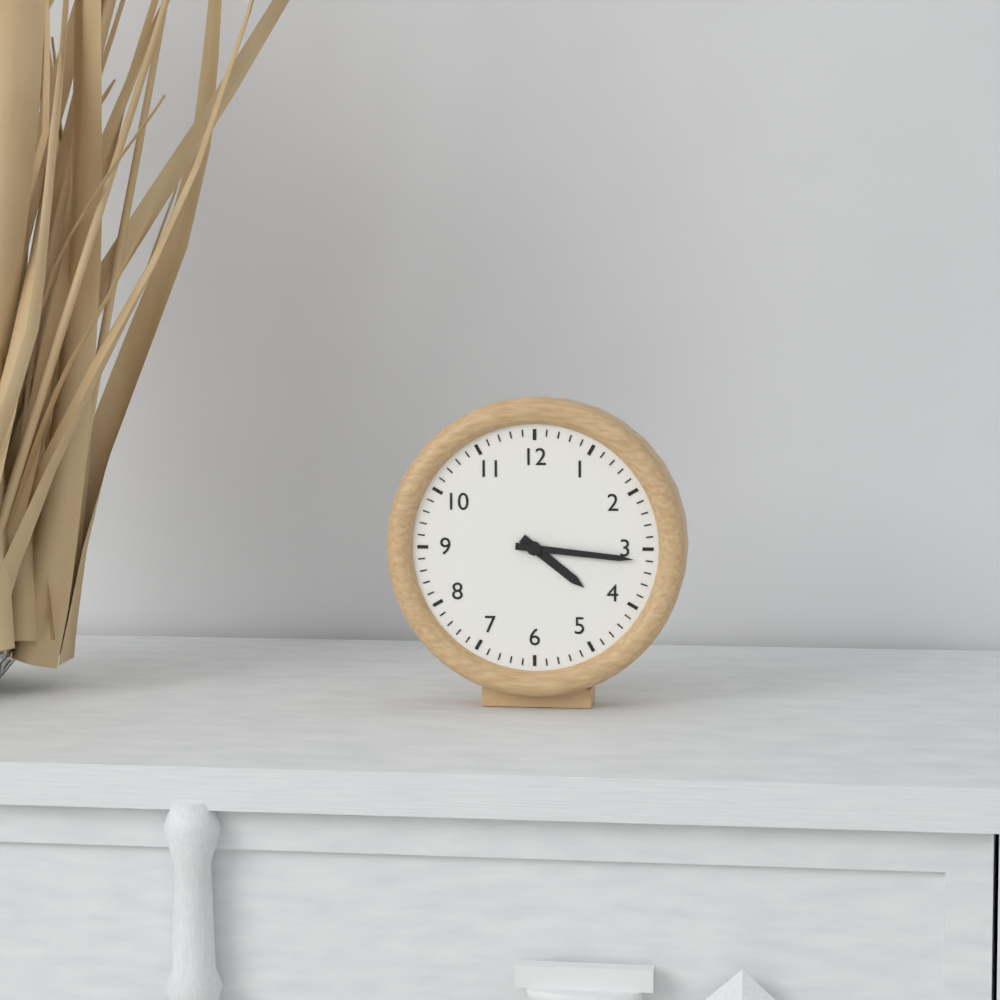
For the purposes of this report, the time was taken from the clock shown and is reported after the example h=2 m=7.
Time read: h=4 m=16
